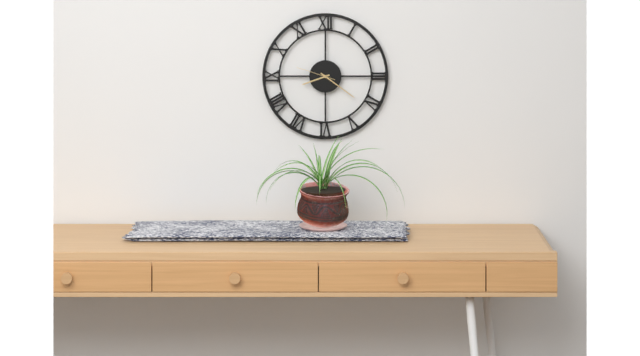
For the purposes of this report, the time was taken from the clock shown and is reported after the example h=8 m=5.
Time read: h=8 m=21
